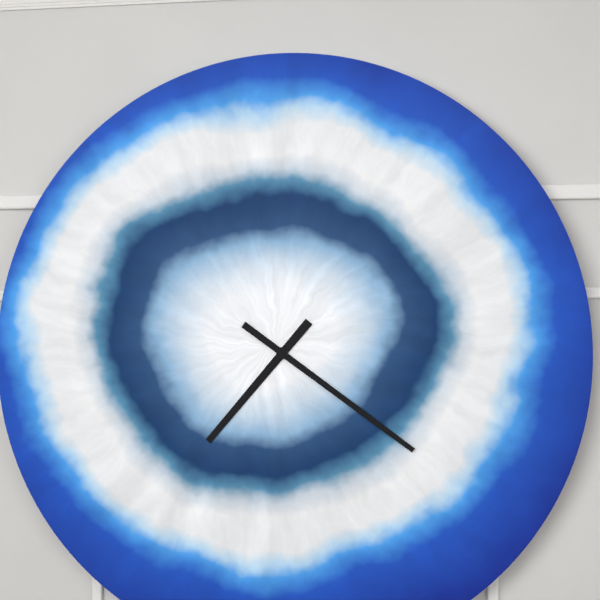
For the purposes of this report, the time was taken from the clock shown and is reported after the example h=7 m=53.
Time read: h=7 m=21
